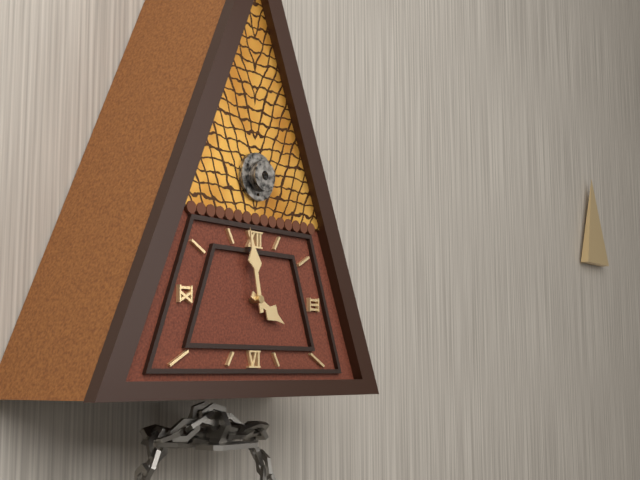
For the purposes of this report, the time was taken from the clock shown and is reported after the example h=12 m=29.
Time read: h=3 m=58
